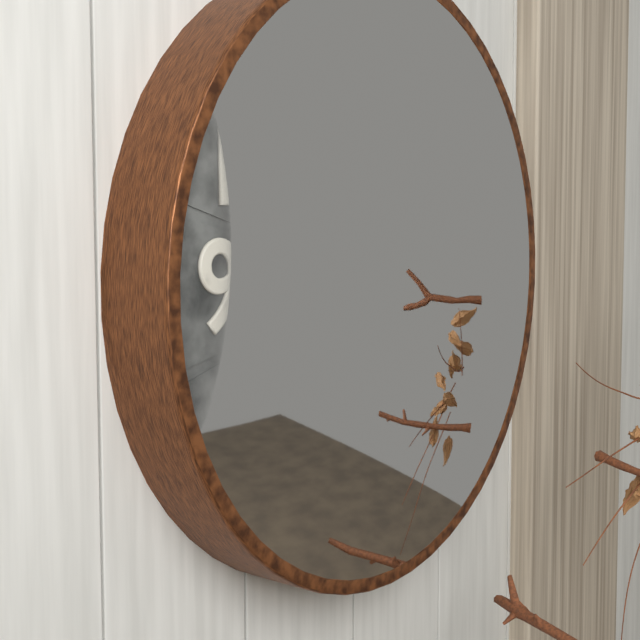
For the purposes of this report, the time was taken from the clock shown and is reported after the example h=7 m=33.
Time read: h=3 m=41
